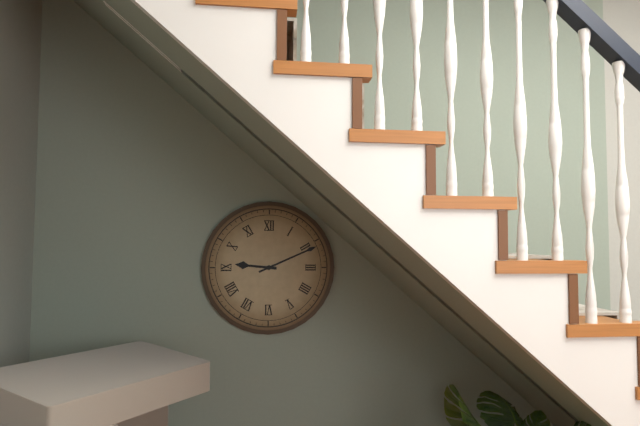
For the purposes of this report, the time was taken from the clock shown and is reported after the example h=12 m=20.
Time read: h=9 m=11
